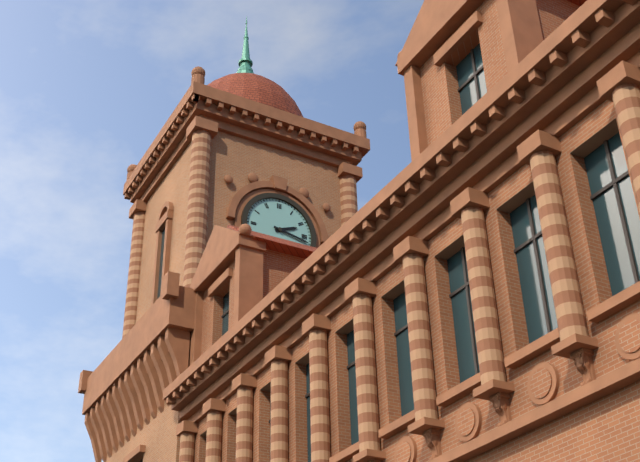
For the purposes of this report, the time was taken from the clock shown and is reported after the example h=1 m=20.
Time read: h=2 m=17
